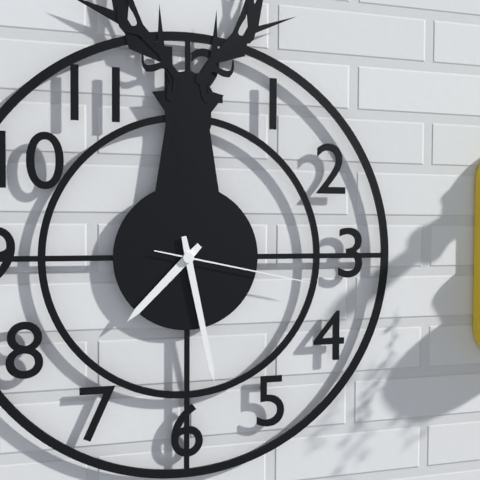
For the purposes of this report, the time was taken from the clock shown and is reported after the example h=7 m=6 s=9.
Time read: h=7 m=28 s=17
